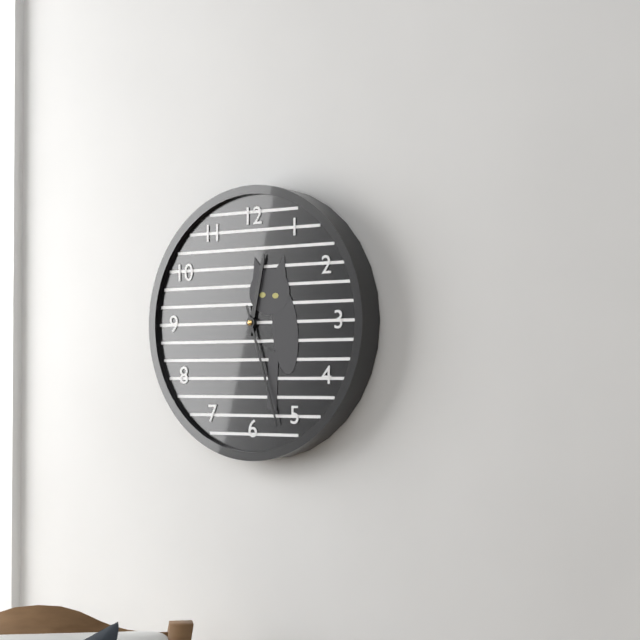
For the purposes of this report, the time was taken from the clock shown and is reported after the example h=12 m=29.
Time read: h=12 m=27
